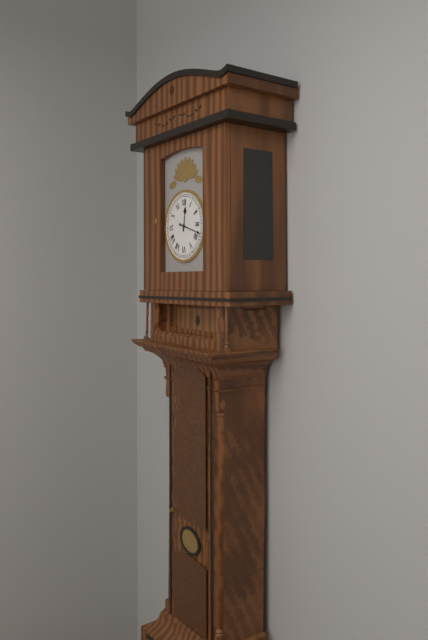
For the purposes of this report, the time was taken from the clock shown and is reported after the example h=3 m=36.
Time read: h=12 m=18
